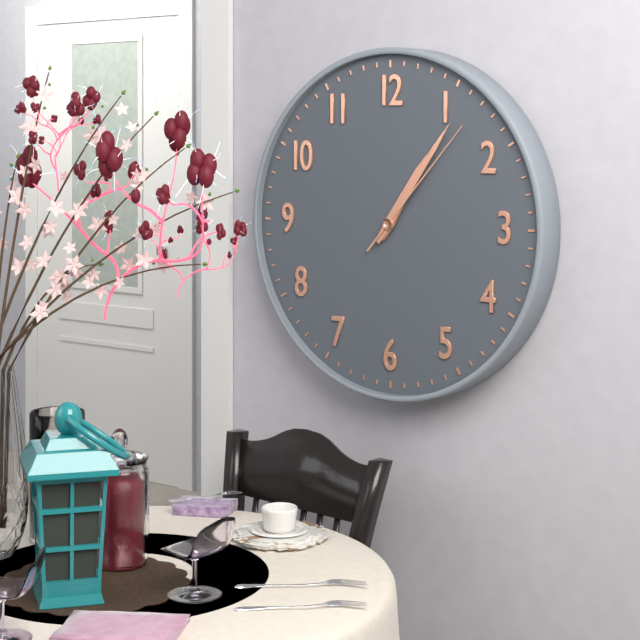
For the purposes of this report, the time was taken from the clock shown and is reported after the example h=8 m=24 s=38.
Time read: h=1 m=6 s=7
